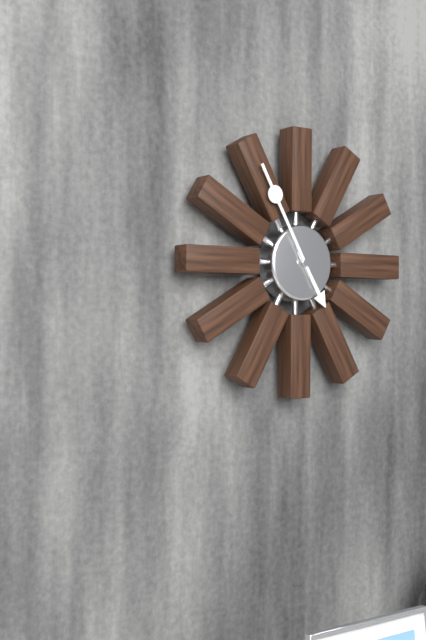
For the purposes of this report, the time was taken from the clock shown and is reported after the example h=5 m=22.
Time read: h=4 m=55
